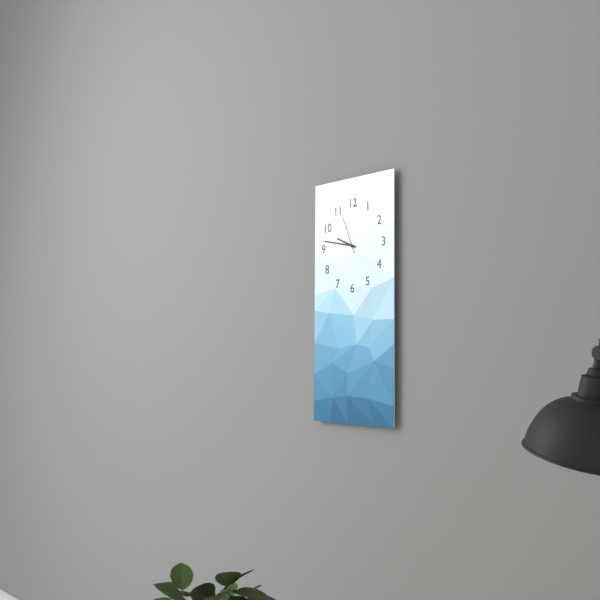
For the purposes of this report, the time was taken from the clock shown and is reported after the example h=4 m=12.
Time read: h=9 m=47
